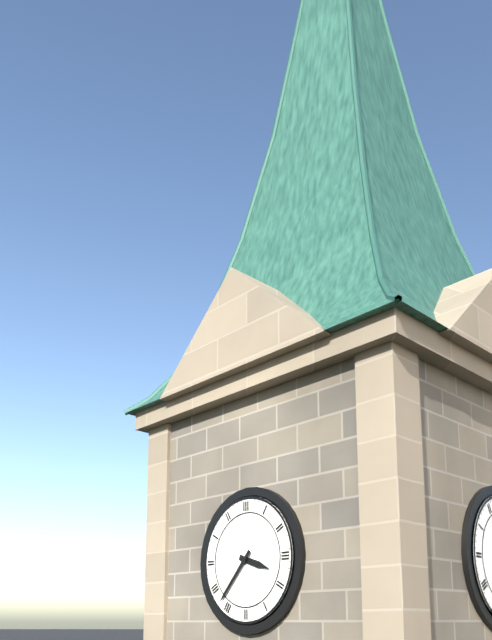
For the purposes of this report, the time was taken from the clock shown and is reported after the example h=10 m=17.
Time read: h=3 m=37
